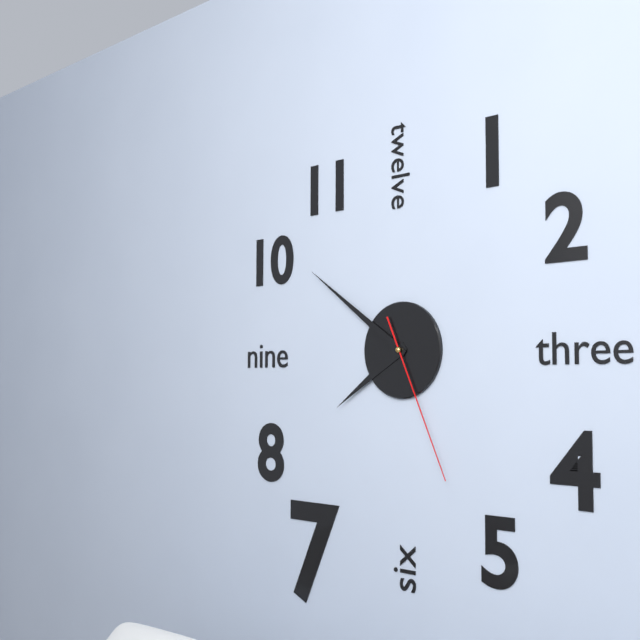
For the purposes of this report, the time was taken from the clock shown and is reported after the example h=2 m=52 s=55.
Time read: h=7 m=51 s=26
